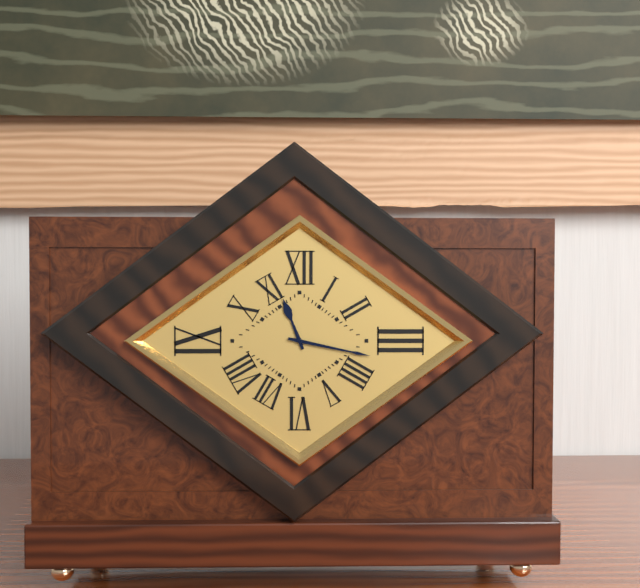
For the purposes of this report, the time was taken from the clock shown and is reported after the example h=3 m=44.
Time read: h=11 m=17
